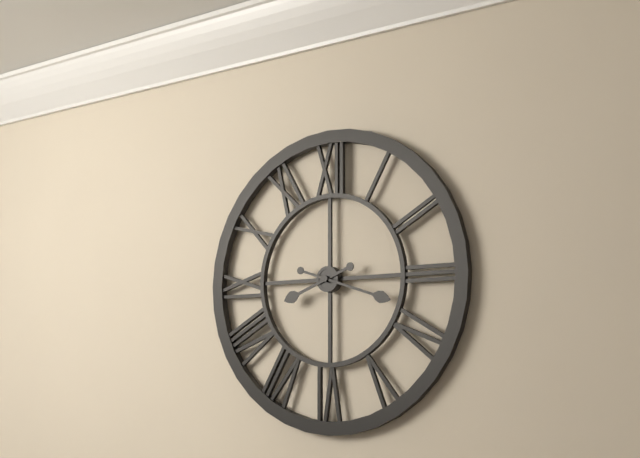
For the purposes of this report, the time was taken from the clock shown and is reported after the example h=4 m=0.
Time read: h=8 m=18
